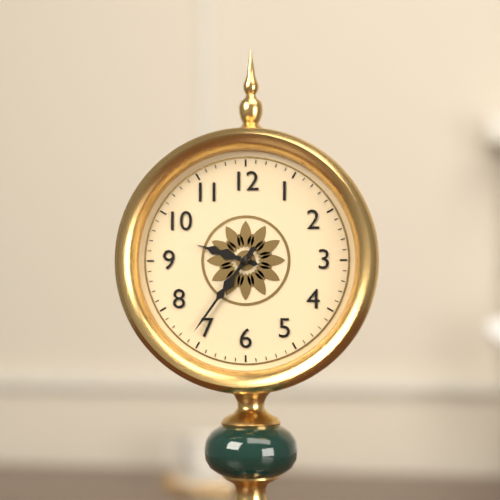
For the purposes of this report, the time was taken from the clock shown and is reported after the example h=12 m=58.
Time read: h=9 m=36
